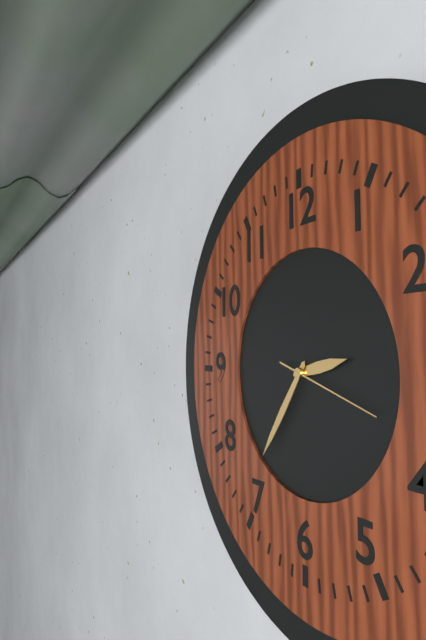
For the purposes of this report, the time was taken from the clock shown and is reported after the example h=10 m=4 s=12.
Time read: h=2 m=36 s=18
